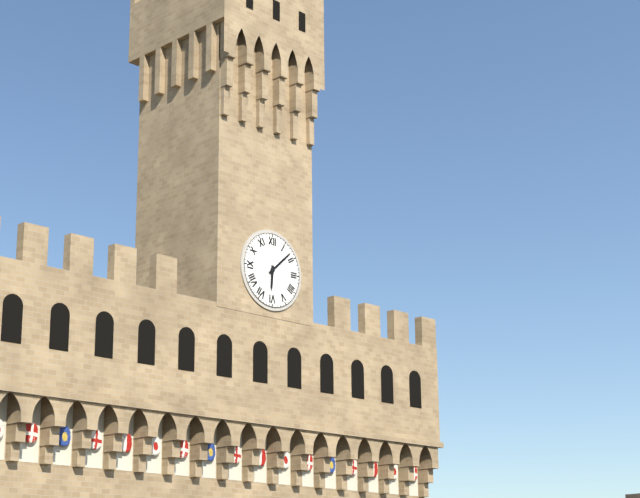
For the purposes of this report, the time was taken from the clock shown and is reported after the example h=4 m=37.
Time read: h=6 m=8
